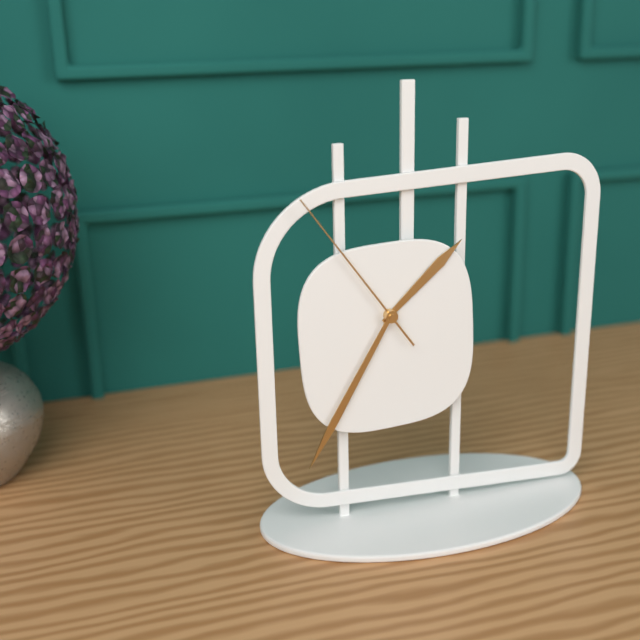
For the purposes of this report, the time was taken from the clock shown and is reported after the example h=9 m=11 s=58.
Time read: h=1 m=35 s=54
